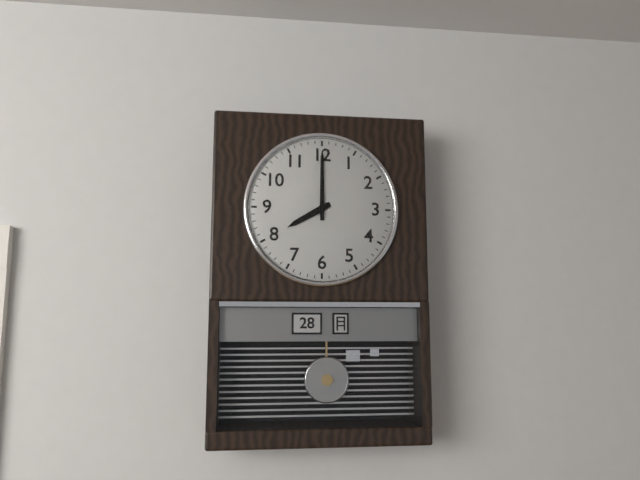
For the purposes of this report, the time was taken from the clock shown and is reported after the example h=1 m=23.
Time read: h=8 m=0
